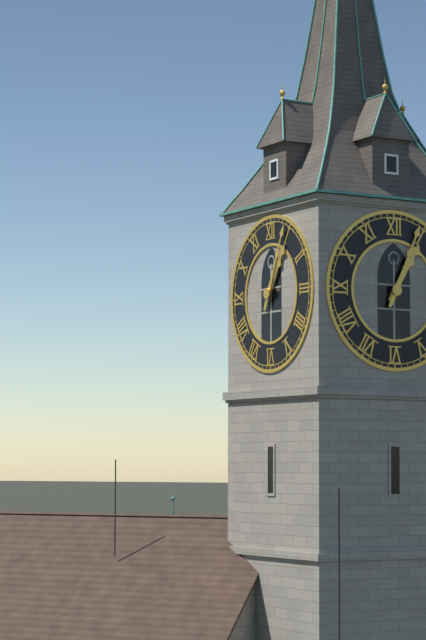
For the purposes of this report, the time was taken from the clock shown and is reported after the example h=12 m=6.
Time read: h=1 m=4
